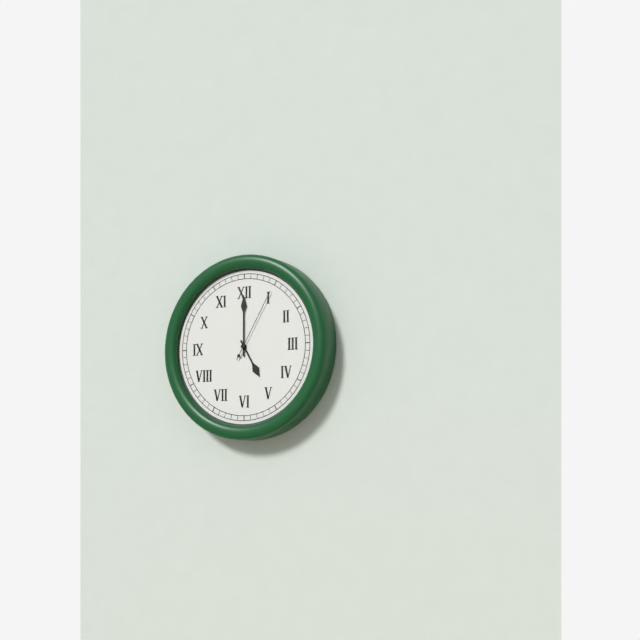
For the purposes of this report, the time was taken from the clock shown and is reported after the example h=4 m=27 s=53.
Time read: h=5 m=0 s=5
